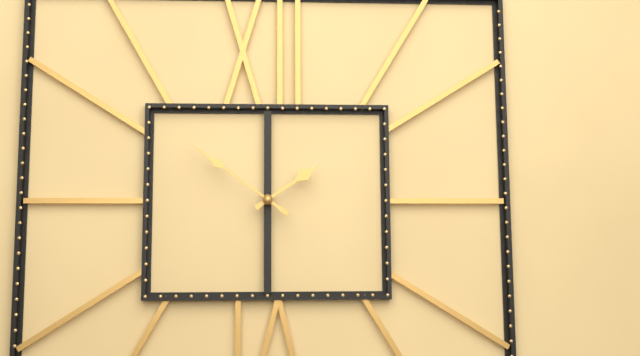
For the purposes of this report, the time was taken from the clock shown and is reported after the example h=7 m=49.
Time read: h=1 m=51
